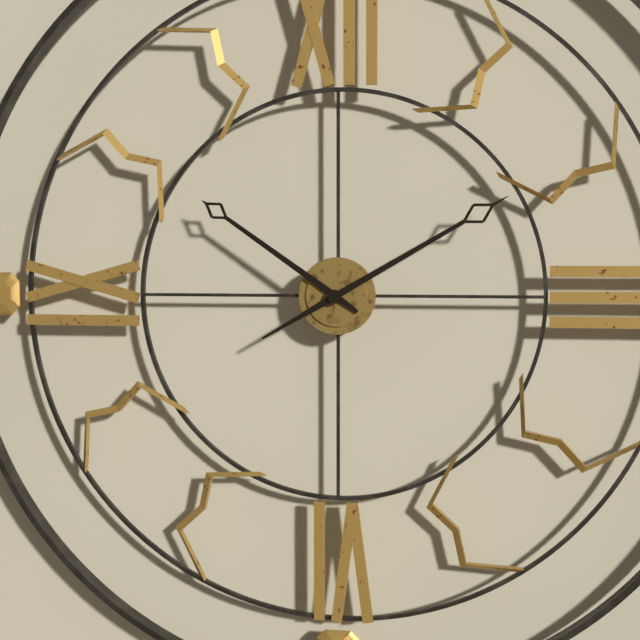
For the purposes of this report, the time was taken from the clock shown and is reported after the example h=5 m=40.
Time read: h=10 m=10
